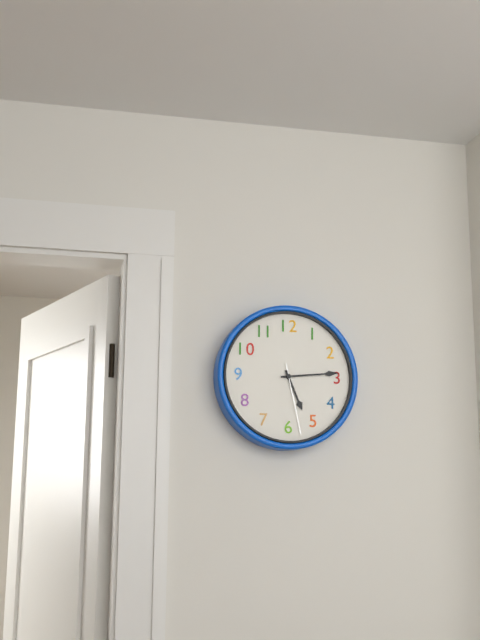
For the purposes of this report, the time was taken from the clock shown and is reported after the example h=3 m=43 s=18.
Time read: h=5 m=14 s=28
